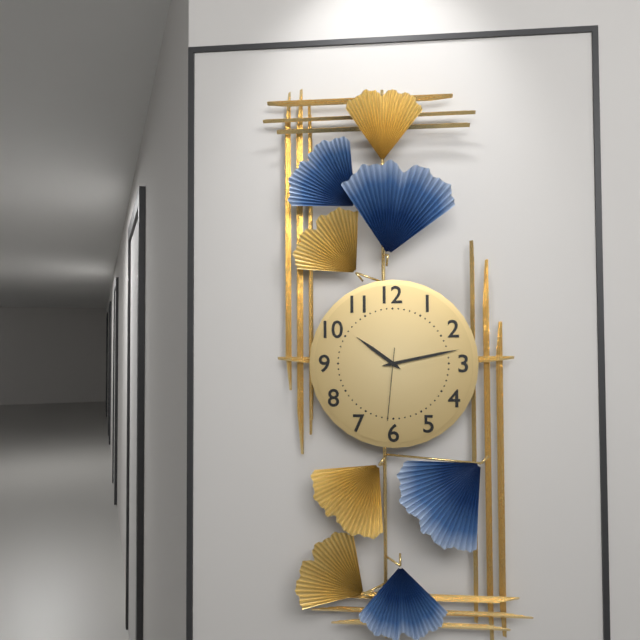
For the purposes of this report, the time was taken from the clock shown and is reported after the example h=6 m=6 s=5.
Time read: h=10 m=13 s=31
